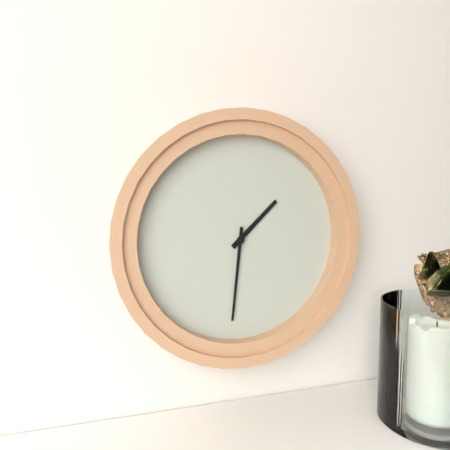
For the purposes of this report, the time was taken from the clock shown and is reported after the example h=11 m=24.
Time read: h=1 m=31
